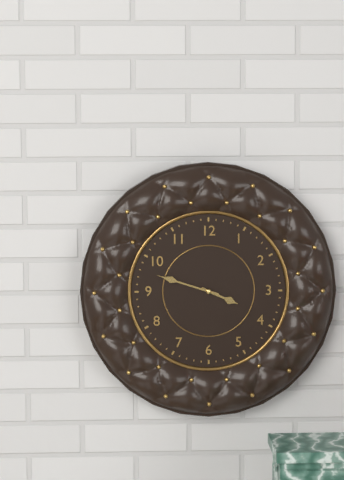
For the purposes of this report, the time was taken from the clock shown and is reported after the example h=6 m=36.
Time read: h=3 m=48
